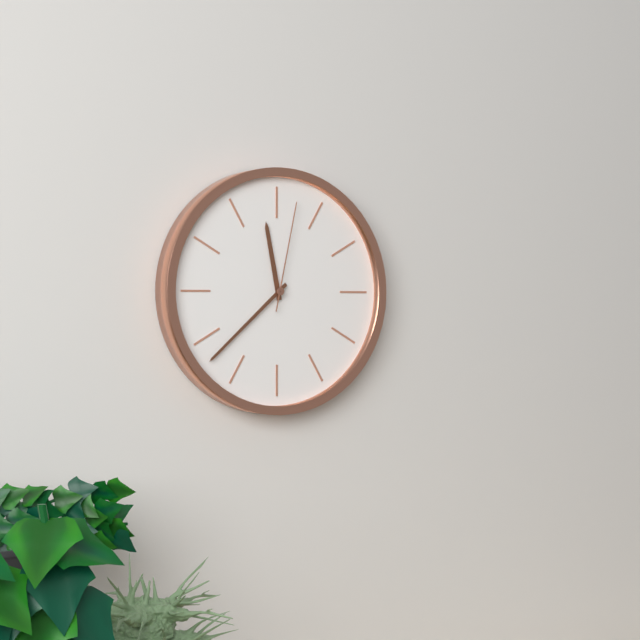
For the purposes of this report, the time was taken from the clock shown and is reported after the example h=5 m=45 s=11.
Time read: h=11 m=38 s=2
